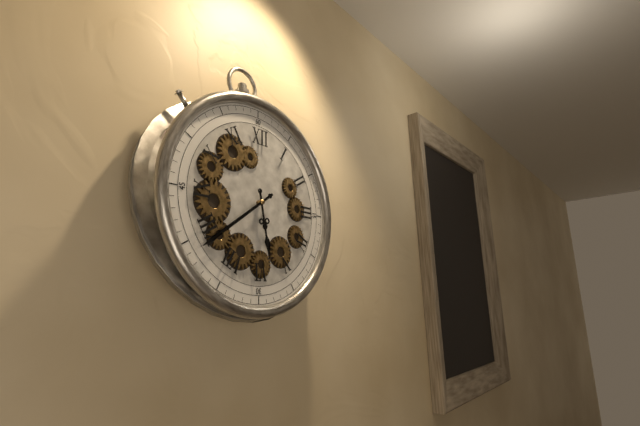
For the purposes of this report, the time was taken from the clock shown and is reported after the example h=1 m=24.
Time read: h=5 m=39
